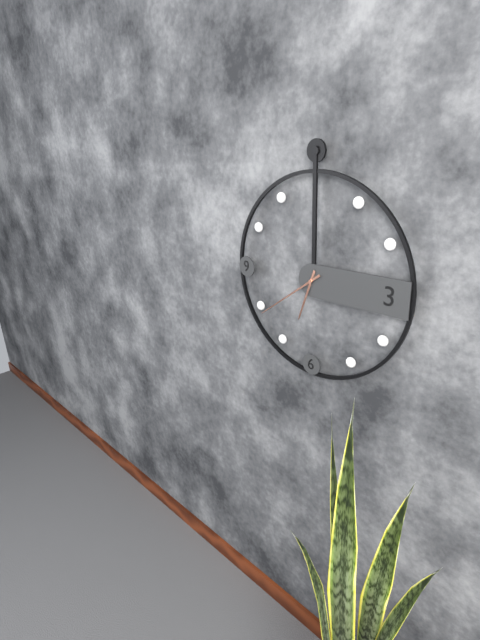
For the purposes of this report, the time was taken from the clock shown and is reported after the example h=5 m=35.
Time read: h=6 m=39
